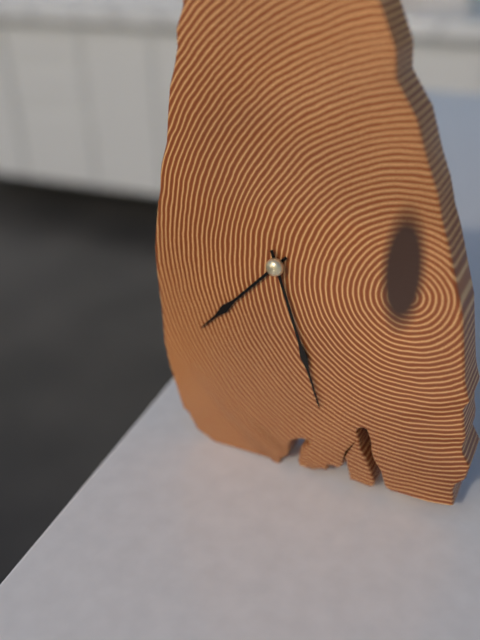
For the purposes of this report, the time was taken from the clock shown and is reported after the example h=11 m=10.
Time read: h=7 m=27
